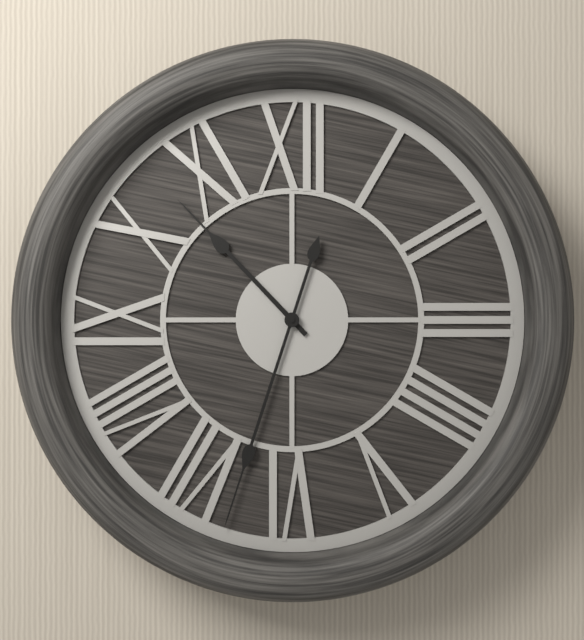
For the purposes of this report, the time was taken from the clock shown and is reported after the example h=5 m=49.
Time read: h=10 m=33
